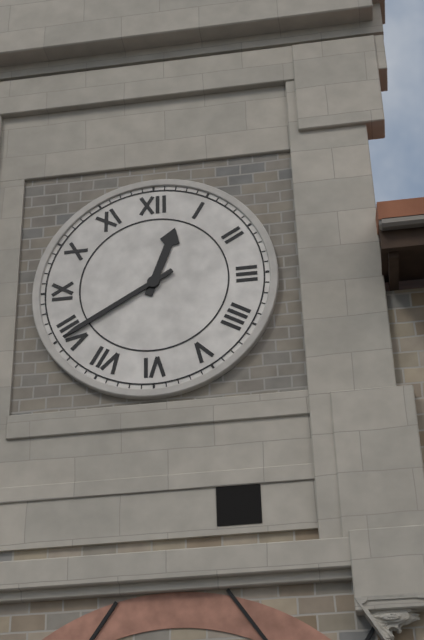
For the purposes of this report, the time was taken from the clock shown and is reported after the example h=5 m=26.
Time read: h=12 m=40
